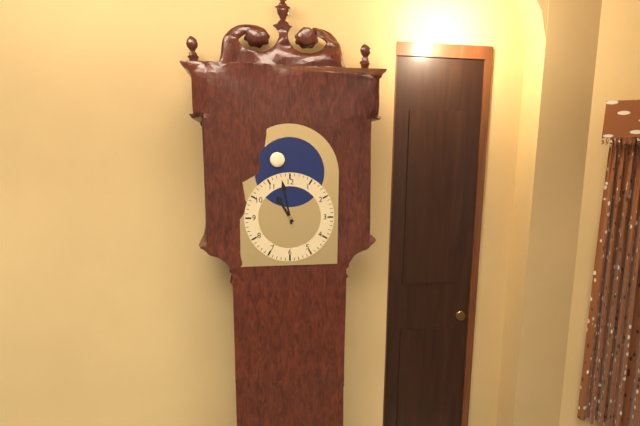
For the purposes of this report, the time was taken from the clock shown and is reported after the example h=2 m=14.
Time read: h=10 m=58
